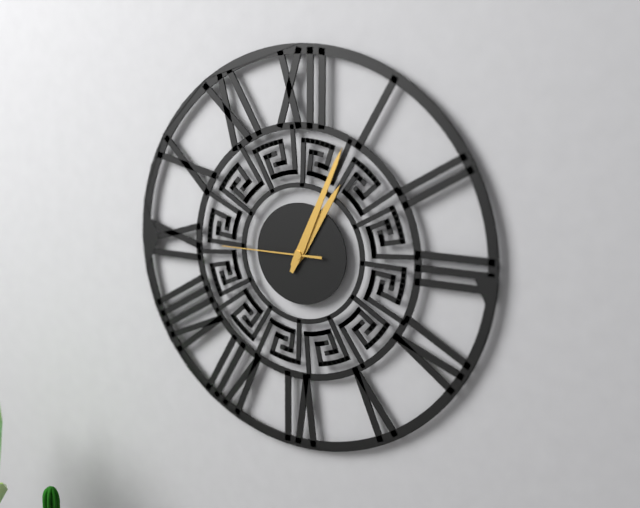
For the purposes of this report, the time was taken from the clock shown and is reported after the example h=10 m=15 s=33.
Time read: h=1 m=4 s=45
